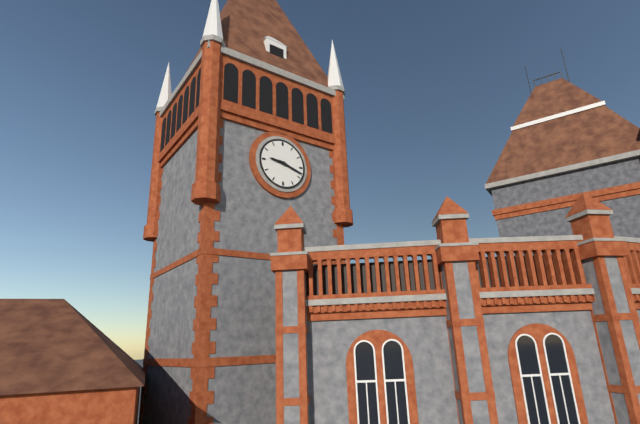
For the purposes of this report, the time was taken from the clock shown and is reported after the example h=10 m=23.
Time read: h=9 m=18
